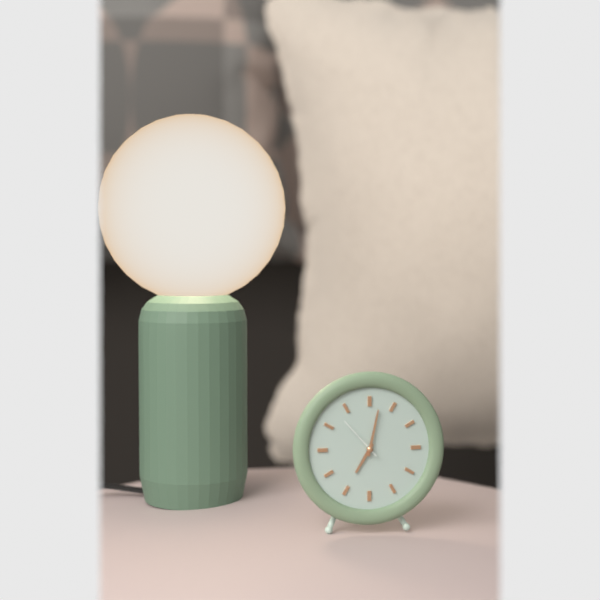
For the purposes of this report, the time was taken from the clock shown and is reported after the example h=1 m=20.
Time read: h=7 m=2
